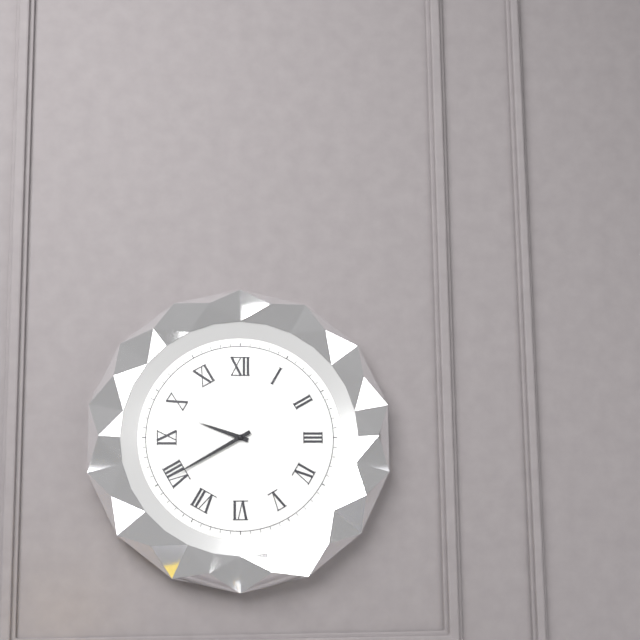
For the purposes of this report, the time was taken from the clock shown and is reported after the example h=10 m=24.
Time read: h=9 m=40
